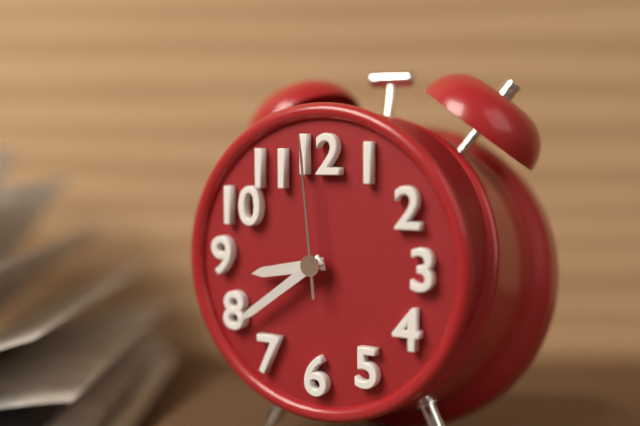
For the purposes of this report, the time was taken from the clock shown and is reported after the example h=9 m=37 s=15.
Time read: h=8 m=39 s=59
